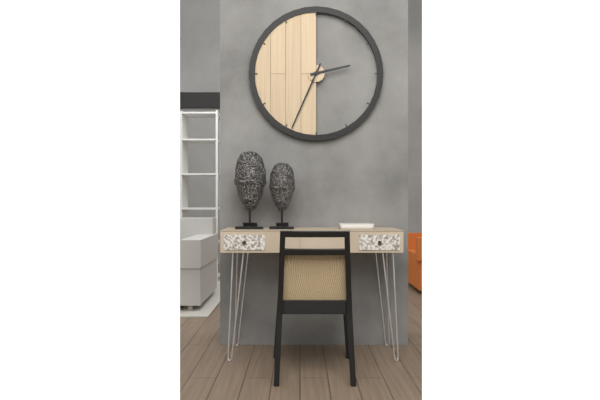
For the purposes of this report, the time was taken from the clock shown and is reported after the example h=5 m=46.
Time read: h=2 m=34
